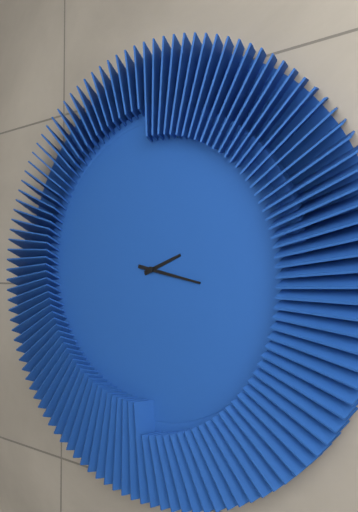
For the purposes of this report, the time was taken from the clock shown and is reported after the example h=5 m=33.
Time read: h=2 m=17
